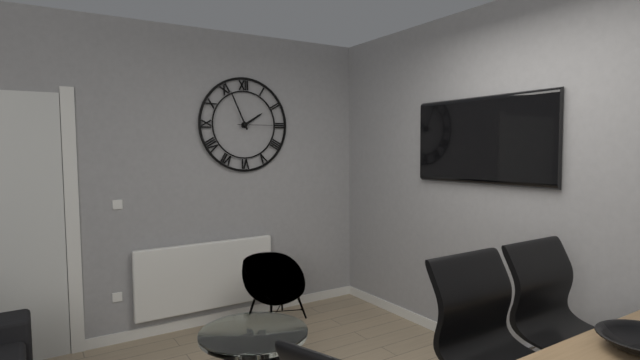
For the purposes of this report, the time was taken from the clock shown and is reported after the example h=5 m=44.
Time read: h=1 m=56
